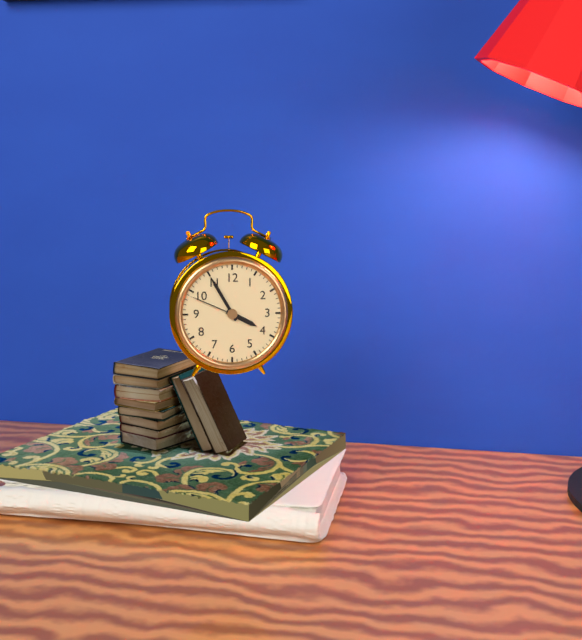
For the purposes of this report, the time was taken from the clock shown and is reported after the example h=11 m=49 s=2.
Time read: h=3 m=55 s=49
